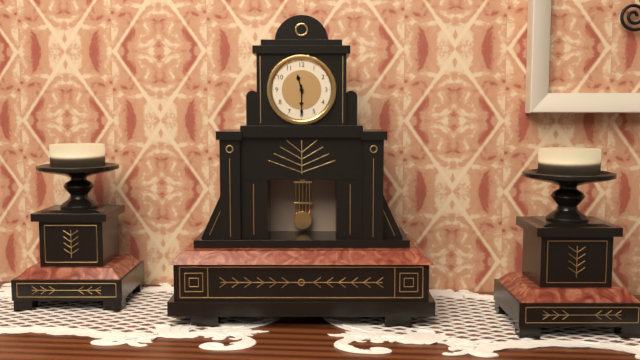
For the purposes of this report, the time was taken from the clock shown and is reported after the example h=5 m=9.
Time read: h=11 m=30
